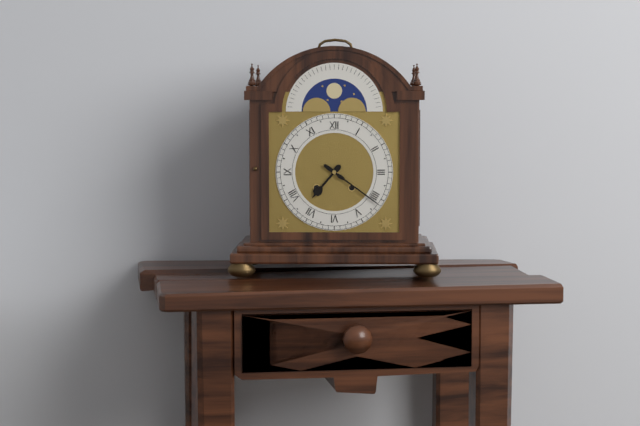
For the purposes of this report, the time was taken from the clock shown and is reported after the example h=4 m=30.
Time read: h=7 m=21
